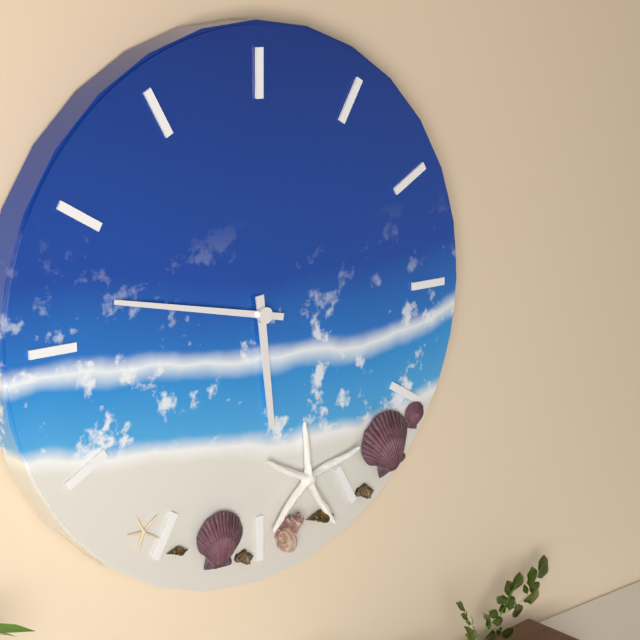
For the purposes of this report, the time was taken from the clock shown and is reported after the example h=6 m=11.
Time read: h=5 m=47
